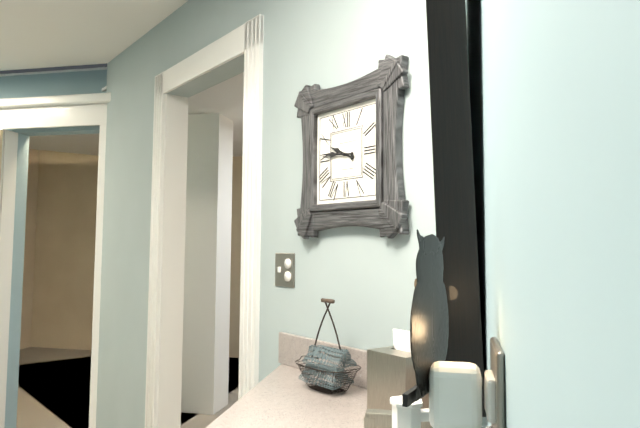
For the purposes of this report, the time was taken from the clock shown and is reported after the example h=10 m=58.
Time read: h=9 m=46
